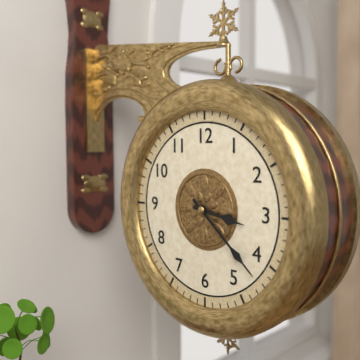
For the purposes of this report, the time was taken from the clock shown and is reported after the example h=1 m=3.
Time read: h=3 m=22
